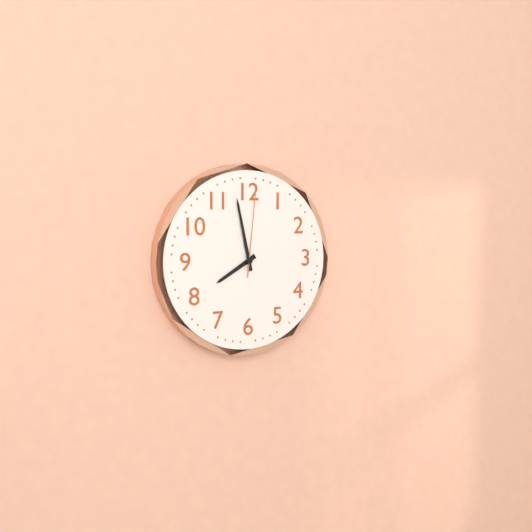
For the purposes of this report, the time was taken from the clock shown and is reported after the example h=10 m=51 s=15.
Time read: h=7 m=58 s=1
